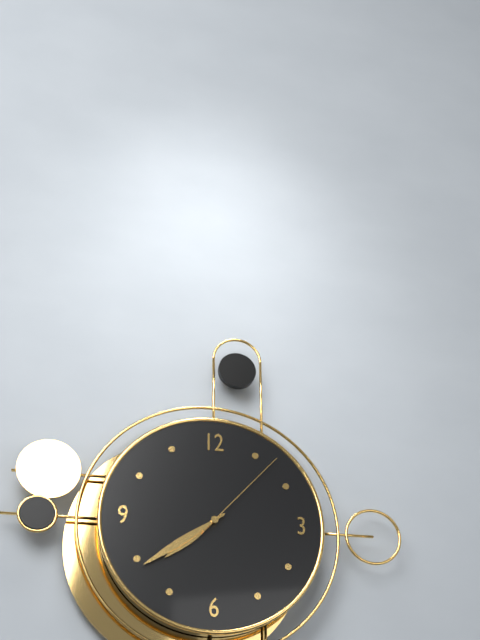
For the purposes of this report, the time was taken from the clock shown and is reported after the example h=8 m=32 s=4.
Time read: h=7 m=39 s=7
